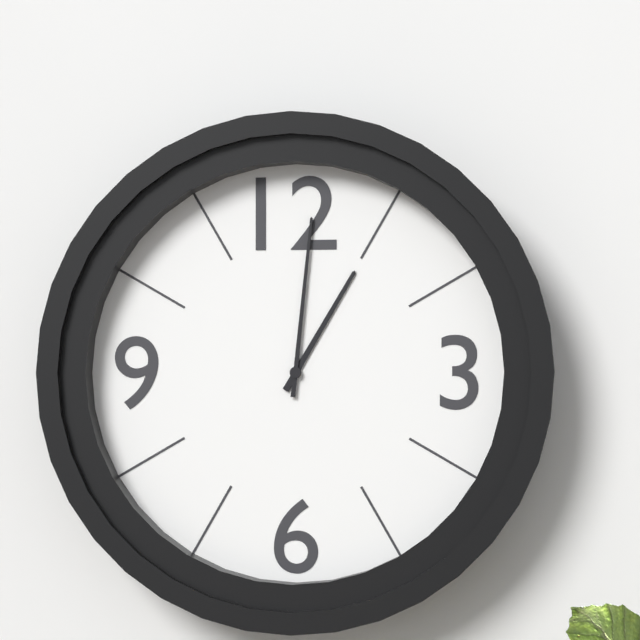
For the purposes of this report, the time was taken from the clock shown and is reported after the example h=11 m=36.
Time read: h=1 m=1
